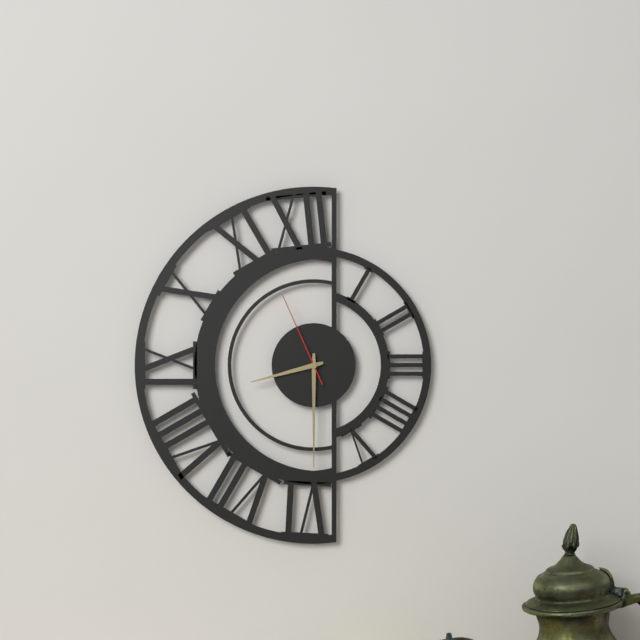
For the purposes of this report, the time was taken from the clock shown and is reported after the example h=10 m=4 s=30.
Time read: h=8 m=30 s=56
